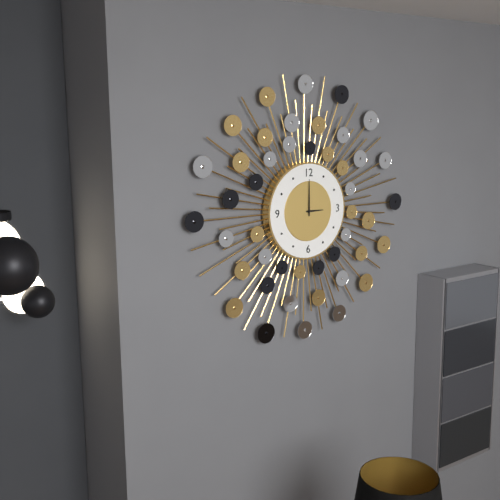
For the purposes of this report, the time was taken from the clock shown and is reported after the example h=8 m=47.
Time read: h=3 m=0
